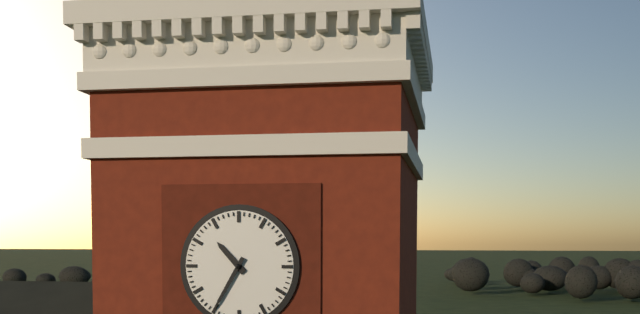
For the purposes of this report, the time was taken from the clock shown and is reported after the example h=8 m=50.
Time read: h=10 m=35
